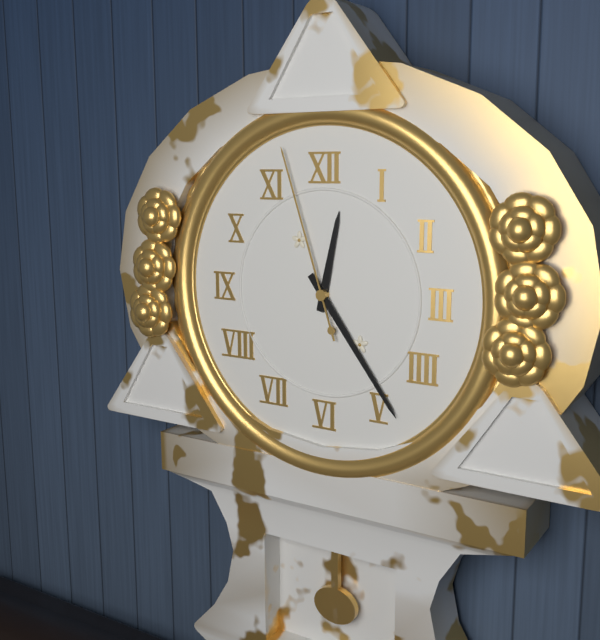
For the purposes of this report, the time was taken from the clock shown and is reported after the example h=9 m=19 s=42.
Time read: h=12 m=24 s=57
